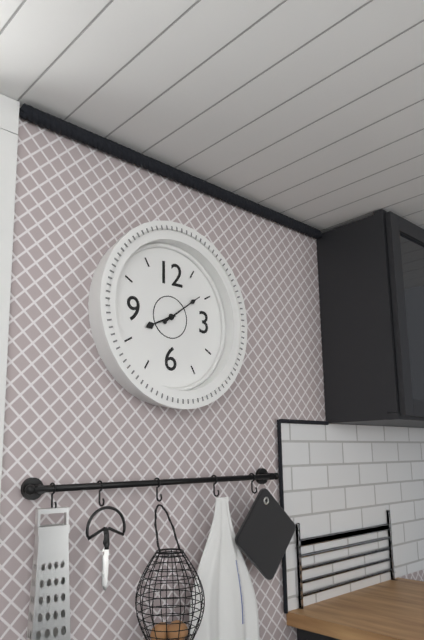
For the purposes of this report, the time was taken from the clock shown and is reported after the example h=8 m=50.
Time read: h=8 m=9
